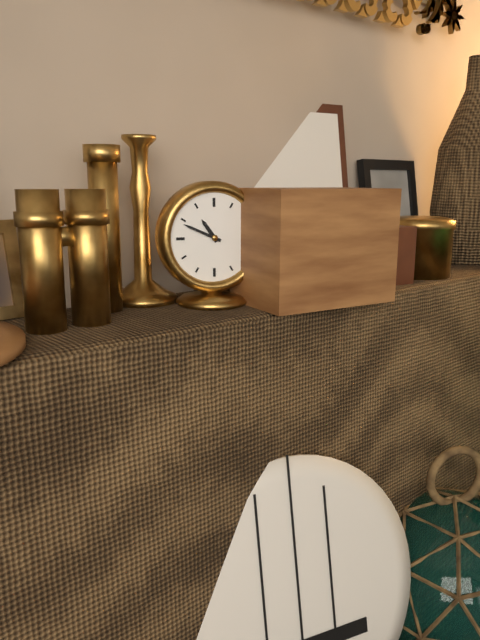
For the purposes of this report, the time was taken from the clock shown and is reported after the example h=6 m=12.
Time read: h=10 m=49
